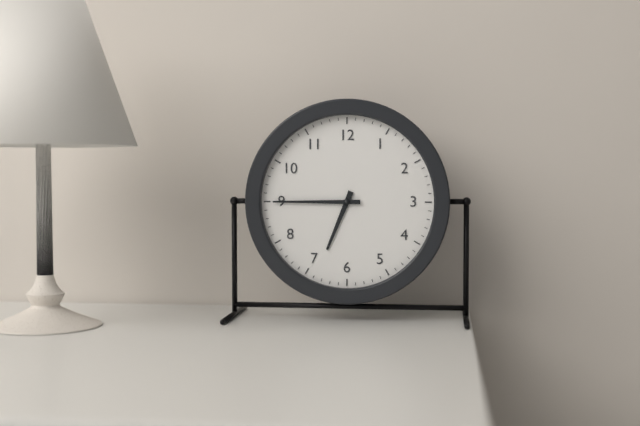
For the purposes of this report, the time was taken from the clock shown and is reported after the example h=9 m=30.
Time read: h=6 m=45
